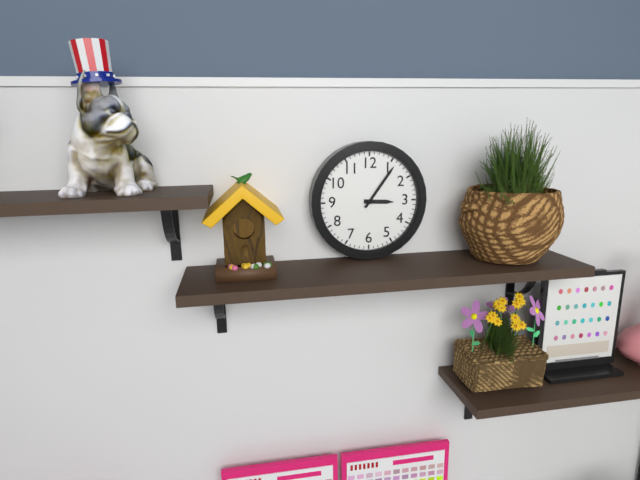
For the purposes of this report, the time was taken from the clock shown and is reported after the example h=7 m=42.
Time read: h=3 m=6
